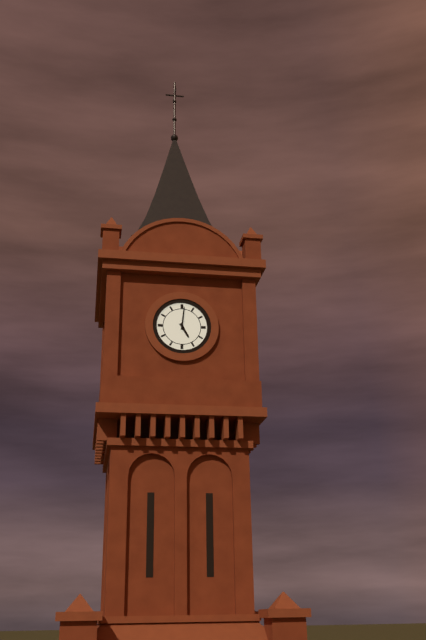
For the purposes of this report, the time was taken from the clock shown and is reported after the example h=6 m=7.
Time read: h=5 m=1
